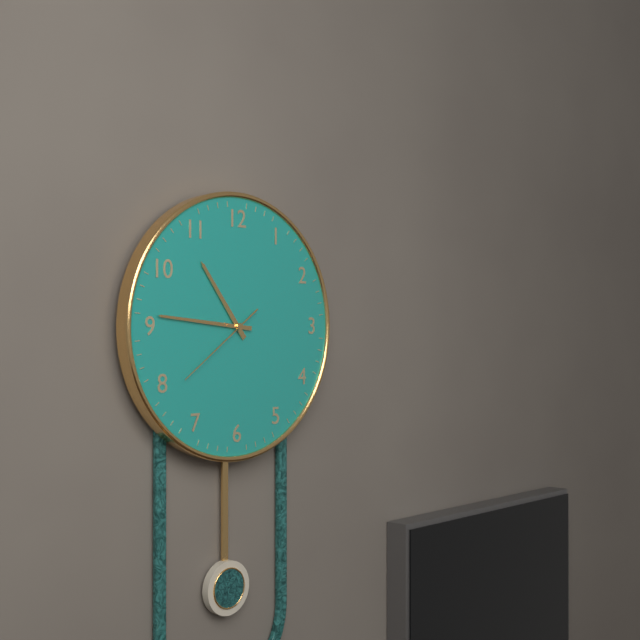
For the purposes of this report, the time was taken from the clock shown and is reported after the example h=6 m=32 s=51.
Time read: h=10 m=46 s=39
